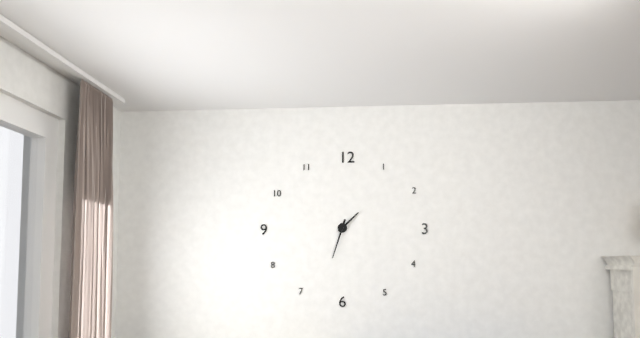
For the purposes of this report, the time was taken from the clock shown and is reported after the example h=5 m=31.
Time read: h=1 m=33
